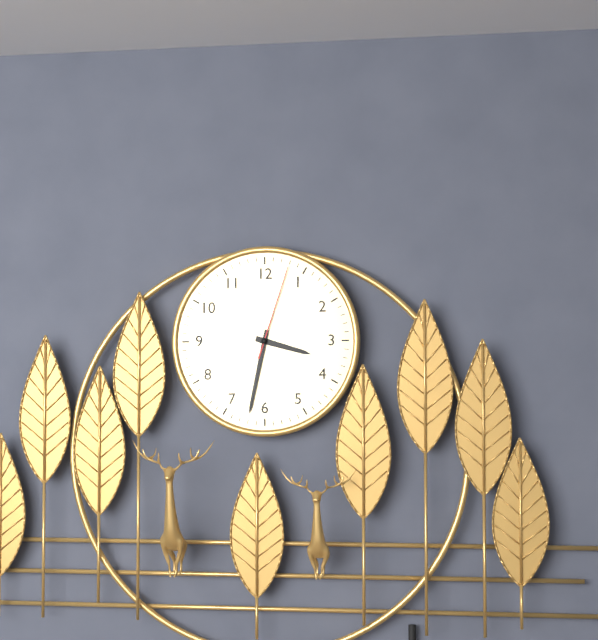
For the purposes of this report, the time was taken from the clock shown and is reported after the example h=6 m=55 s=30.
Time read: h=3 m=32 s=3
